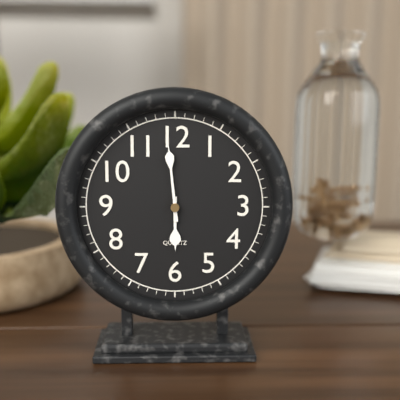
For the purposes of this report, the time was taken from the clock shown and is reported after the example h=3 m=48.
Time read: h=5 m=59
